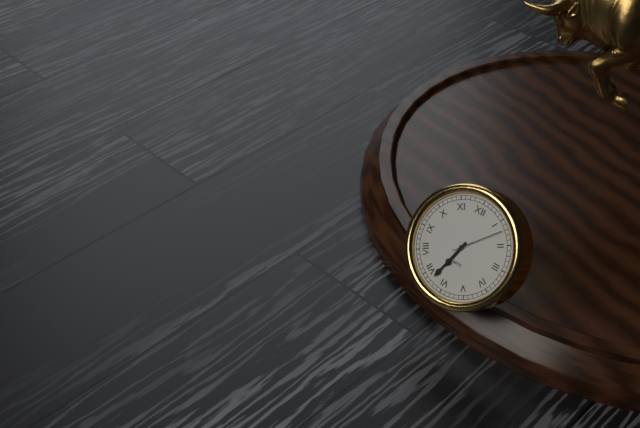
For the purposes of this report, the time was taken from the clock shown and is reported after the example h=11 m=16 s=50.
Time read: h=6 m=33 s=7
